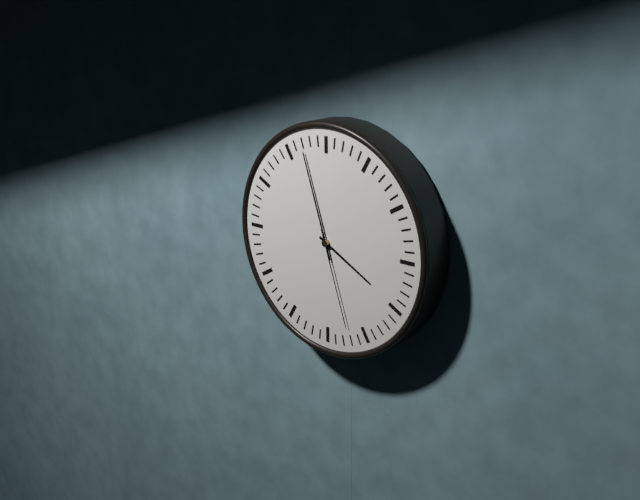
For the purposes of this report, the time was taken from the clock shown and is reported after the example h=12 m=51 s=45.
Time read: h=3 m=57 s=27
